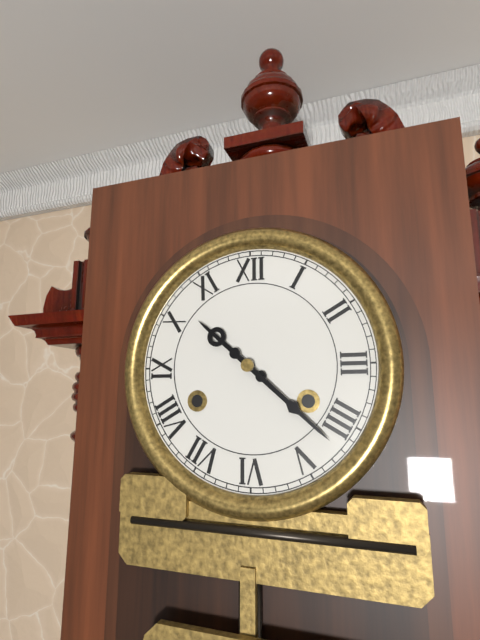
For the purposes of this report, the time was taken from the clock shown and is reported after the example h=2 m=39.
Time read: h=10 m=22
